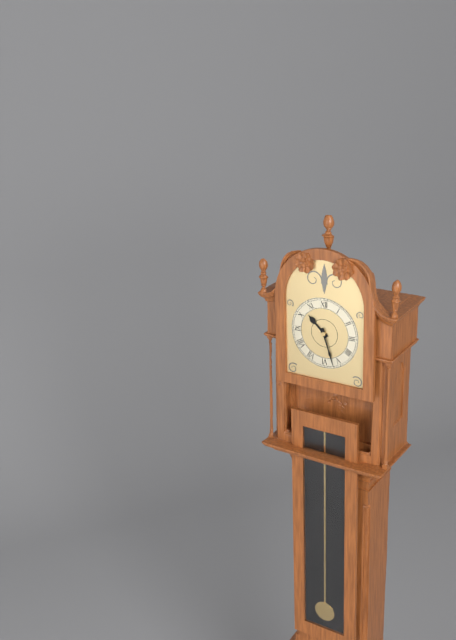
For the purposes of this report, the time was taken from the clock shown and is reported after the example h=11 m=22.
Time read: h=10 m=27
